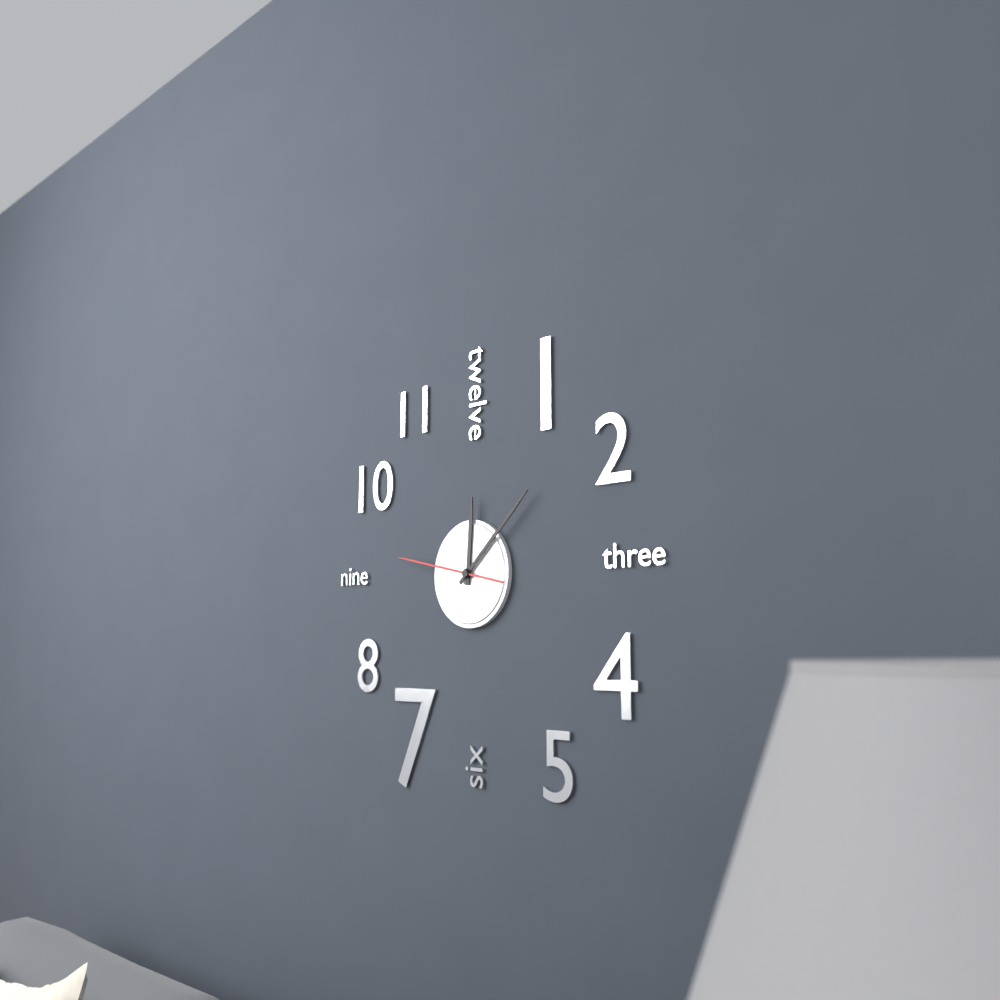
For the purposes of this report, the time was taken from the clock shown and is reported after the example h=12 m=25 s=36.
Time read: h=12 m=8 s=47
